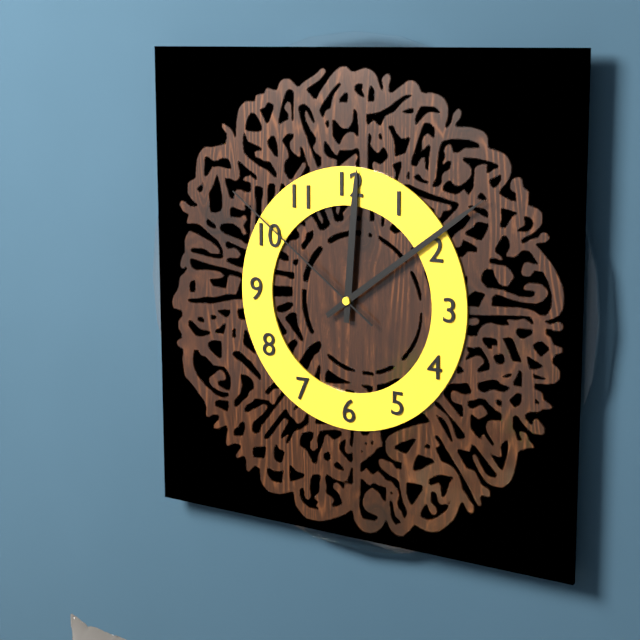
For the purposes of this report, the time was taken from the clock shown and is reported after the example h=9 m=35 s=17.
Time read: h=12 m=9 s=51
